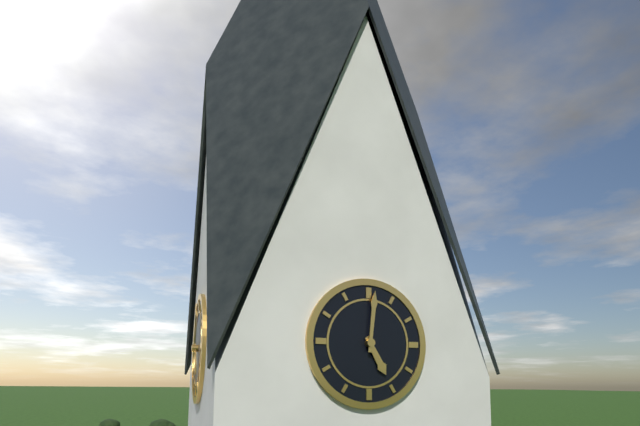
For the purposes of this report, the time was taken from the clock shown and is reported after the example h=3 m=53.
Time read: h=5 m=1
